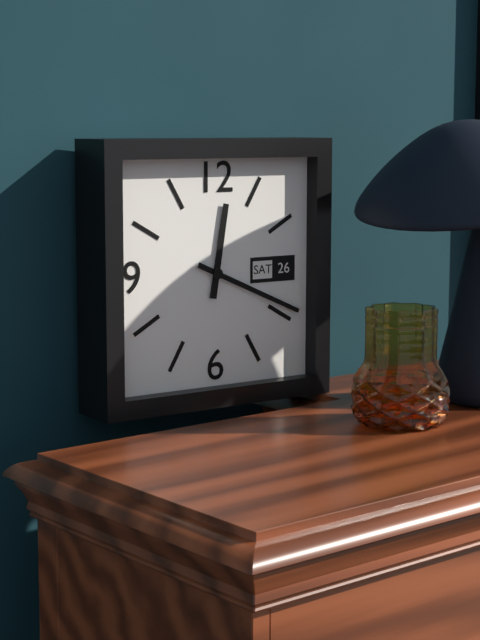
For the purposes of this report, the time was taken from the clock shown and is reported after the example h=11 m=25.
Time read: h=12 m=19
